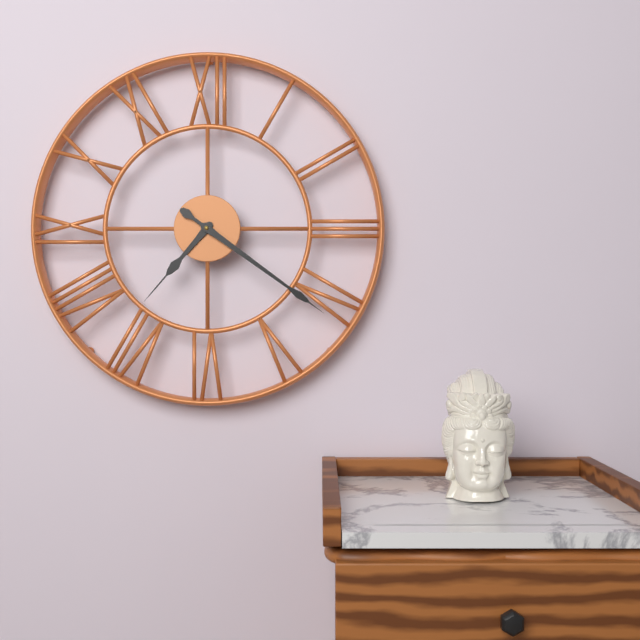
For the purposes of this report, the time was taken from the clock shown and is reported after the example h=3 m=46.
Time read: h=7 m=21
